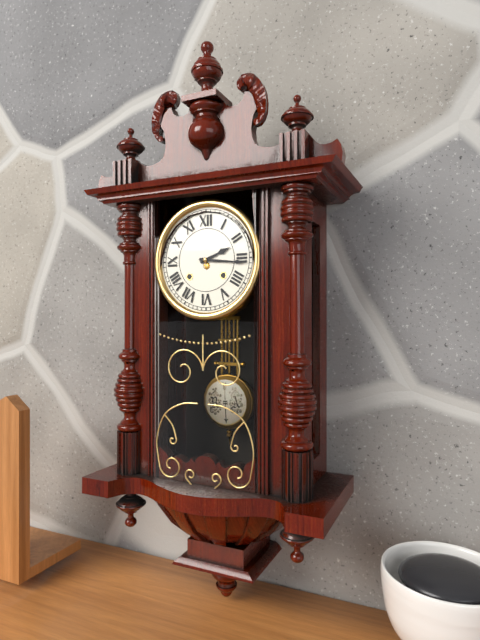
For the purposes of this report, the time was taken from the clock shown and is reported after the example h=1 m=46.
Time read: h=2 m=16
